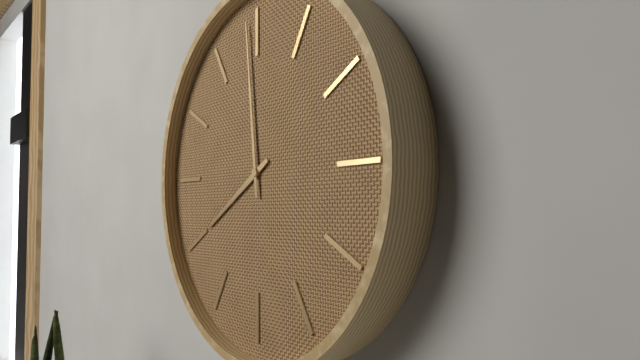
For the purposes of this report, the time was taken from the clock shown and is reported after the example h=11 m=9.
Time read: h=7 m=59
